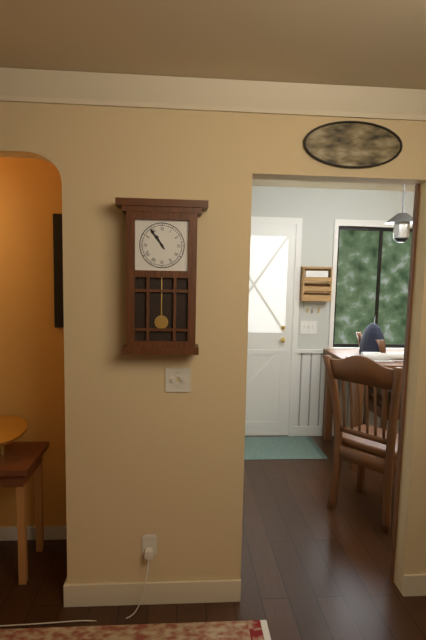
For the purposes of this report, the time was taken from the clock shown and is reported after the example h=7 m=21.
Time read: h=10 m=54
